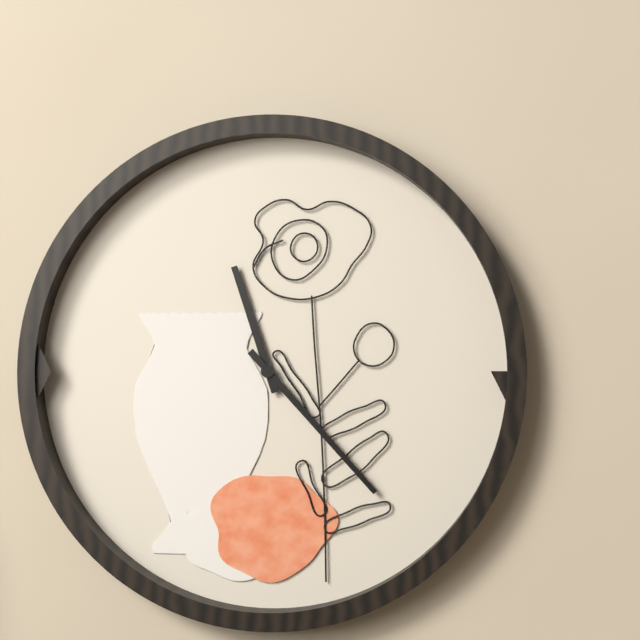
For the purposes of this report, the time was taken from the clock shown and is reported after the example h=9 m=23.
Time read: h=11 m=23
